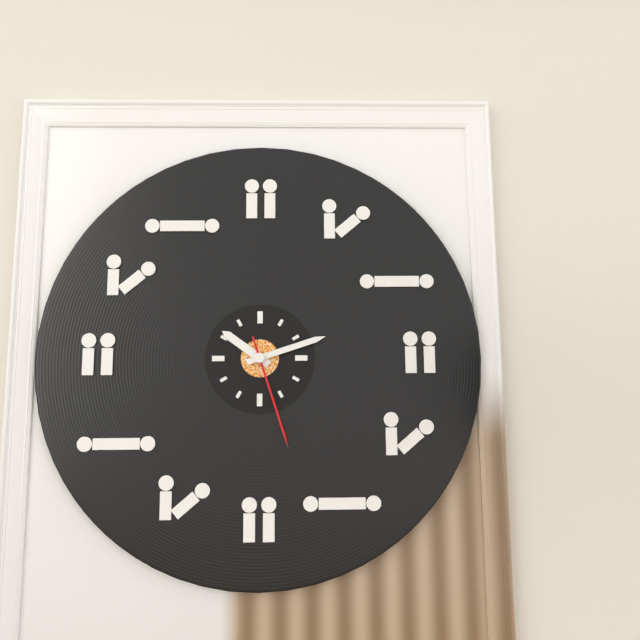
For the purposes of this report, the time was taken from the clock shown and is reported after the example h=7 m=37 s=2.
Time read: h=10 m=12 s=27
